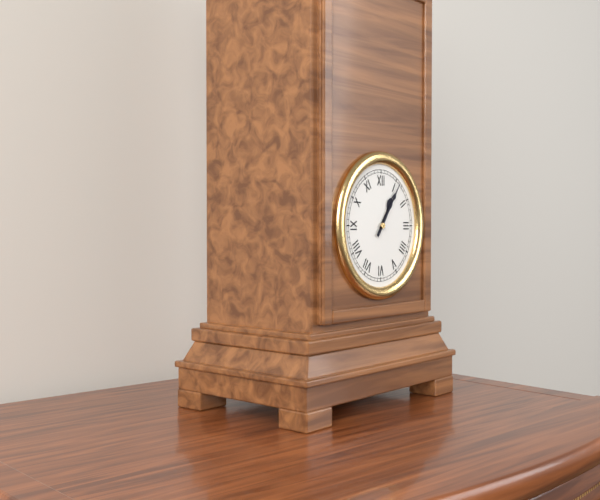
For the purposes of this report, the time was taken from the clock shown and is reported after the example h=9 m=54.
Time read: h=1 m=6
